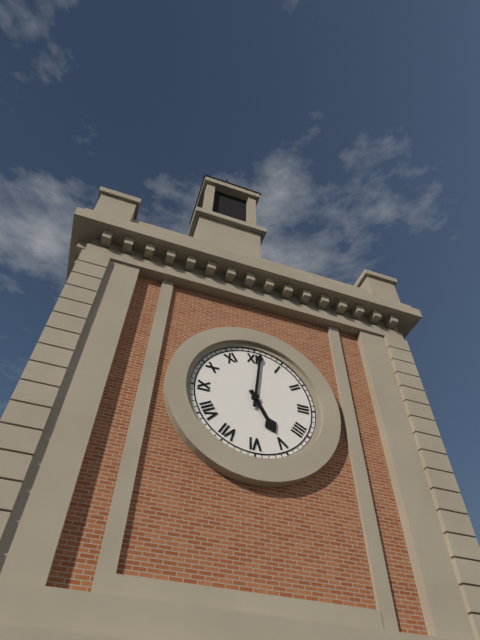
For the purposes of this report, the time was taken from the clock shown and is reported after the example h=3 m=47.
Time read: h=5 m=1
